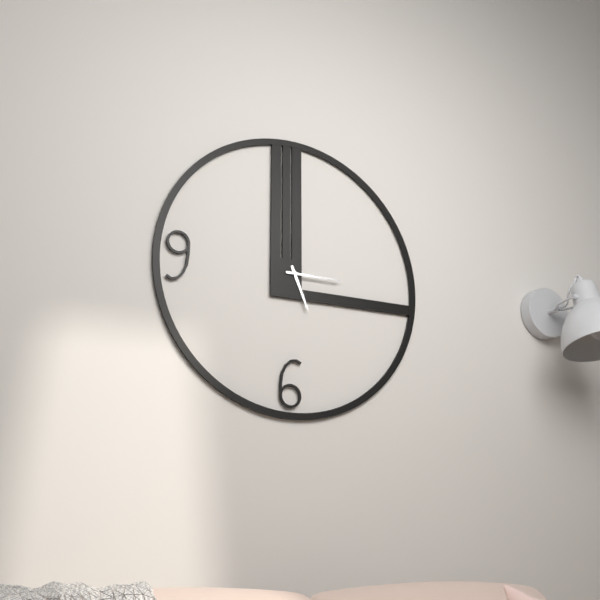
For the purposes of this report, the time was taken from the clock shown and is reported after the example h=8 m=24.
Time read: h=5 m=15
